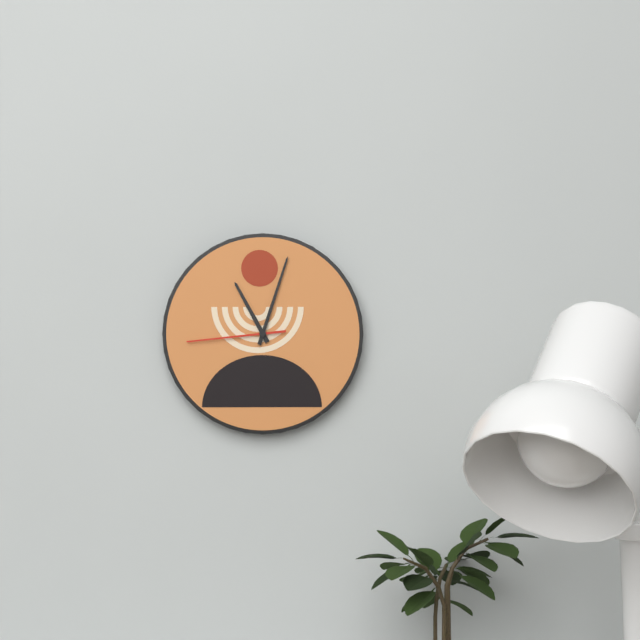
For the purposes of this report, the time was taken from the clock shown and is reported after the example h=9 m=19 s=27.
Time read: h=11 m=3 s=44
